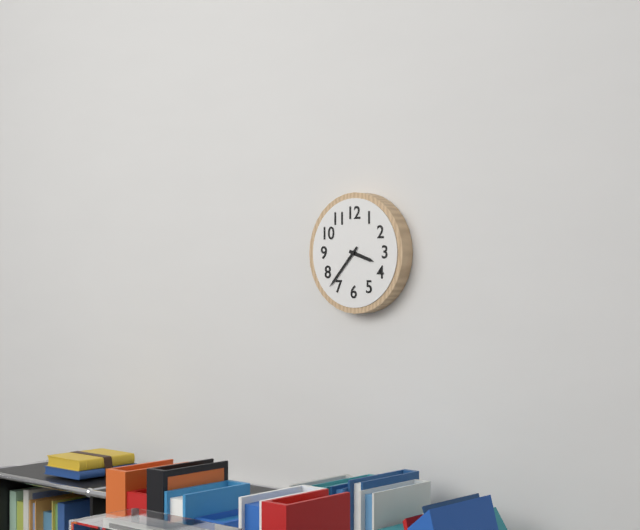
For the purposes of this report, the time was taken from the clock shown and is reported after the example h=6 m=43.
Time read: h=3 m=37
